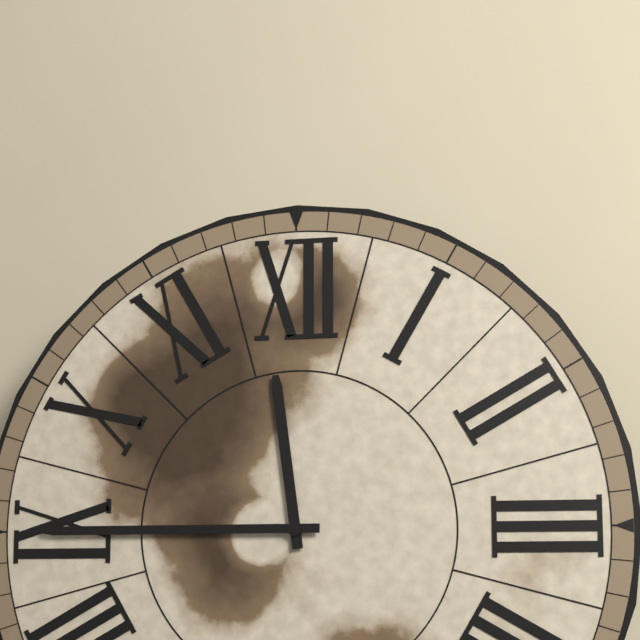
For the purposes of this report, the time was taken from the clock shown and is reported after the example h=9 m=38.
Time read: h=11 m=45
